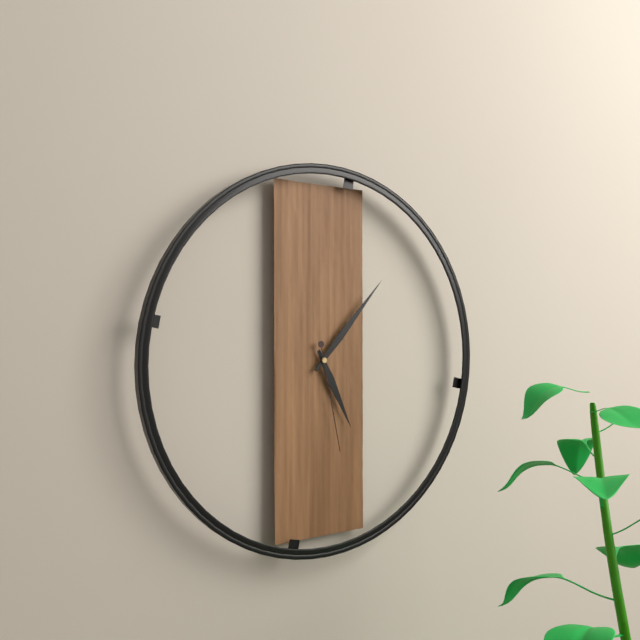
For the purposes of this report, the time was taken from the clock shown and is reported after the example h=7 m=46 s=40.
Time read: h=5 m=7 s=28
